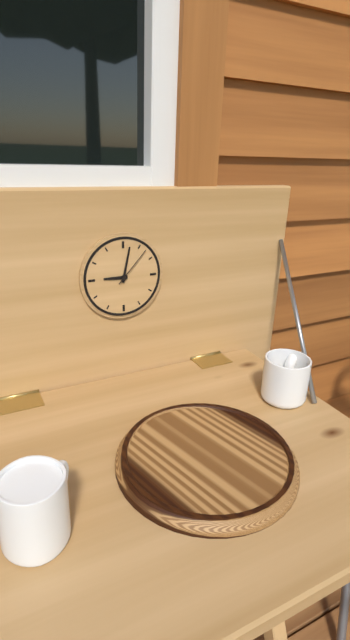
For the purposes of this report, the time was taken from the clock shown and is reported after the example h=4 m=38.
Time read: h=9 m=2
